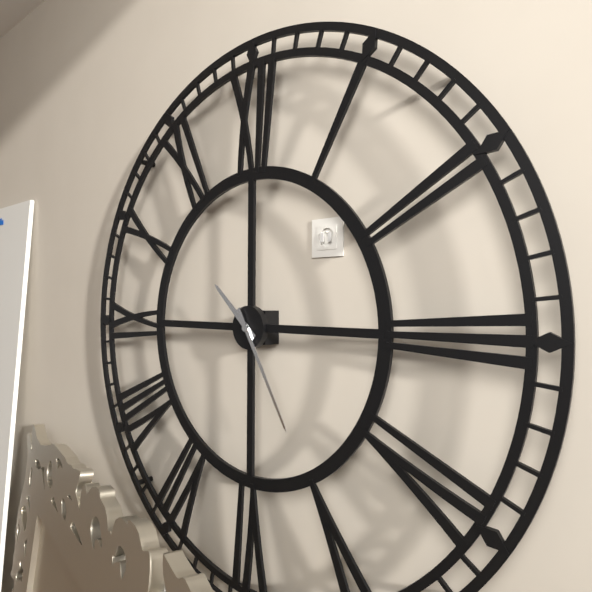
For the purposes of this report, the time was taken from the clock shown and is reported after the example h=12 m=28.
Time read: h=10 m=25
